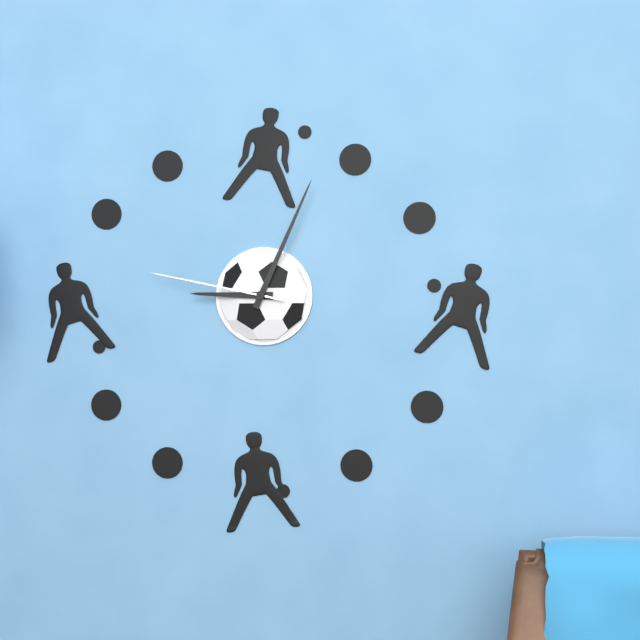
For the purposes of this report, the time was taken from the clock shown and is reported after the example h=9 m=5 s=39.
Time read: h=9 m=4 s=47
